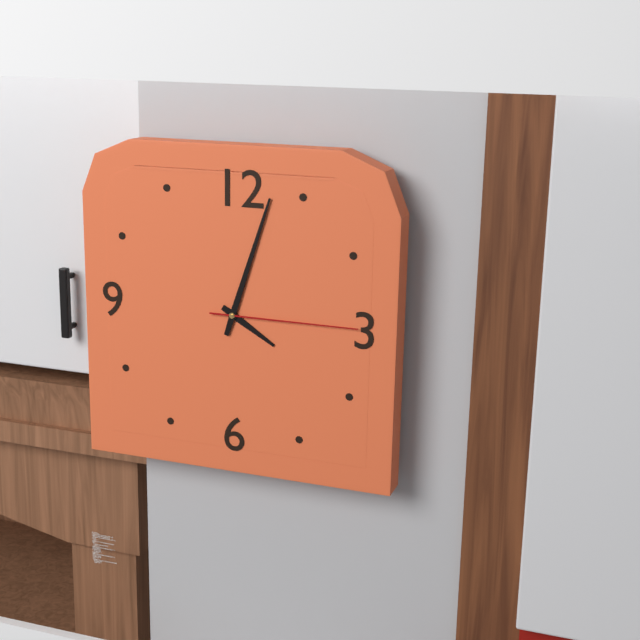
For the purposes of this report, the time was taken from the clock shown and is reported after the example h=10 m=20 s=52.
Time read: h=4 m=3 s=15
